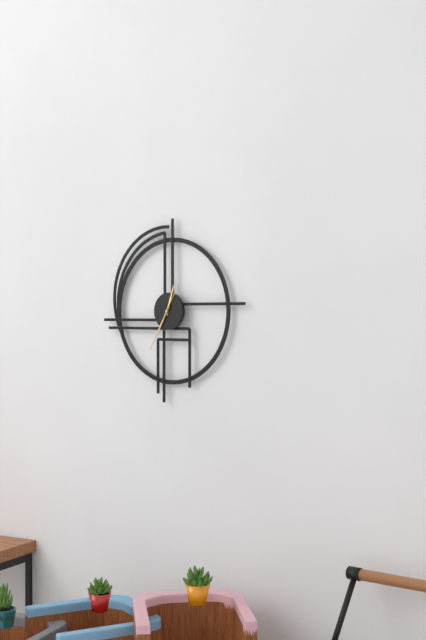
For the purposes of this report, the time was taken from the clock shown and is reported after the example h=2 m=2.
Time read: h=12 m=35
